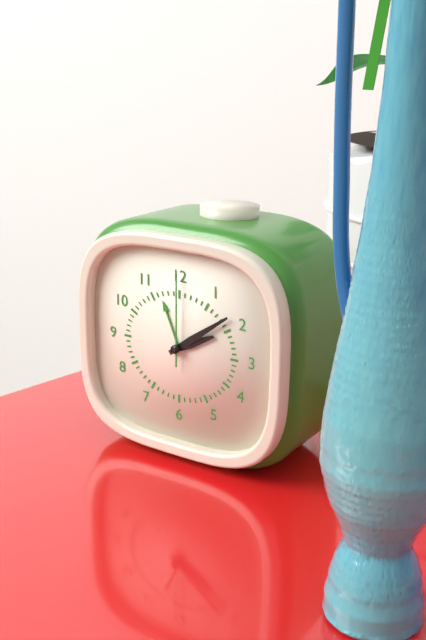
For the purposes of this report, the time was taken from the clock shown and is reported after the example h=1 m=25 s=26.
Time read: h=2 m=9 s=0
